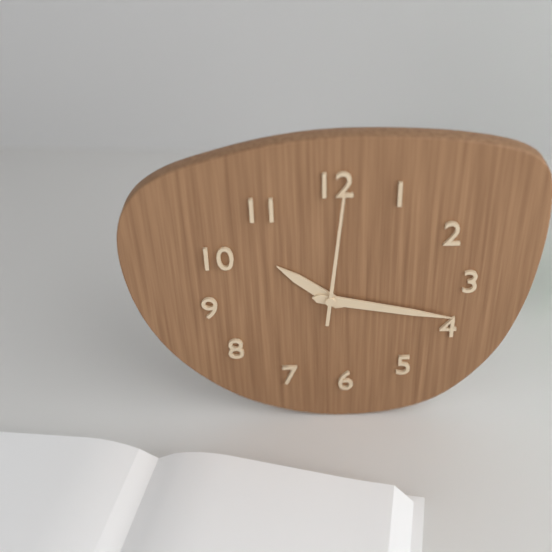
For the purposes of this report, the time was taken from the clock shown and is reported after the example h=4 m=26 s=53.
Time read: h=10 m=17 s=1
